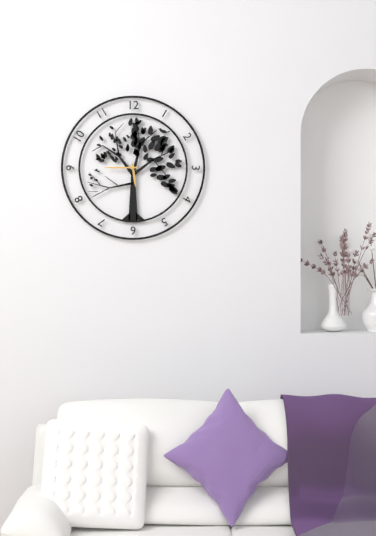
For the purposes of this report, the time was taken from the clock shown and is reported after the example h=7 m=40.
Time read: h=5 m=45
